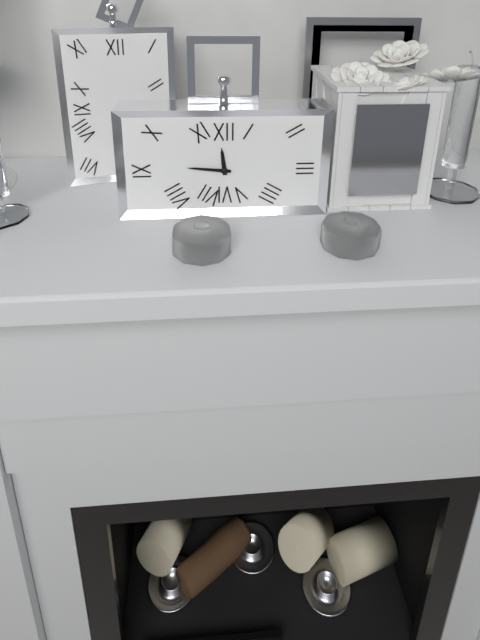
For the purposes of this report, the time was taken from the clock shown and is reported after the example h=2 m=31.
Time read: h=11 m=46
